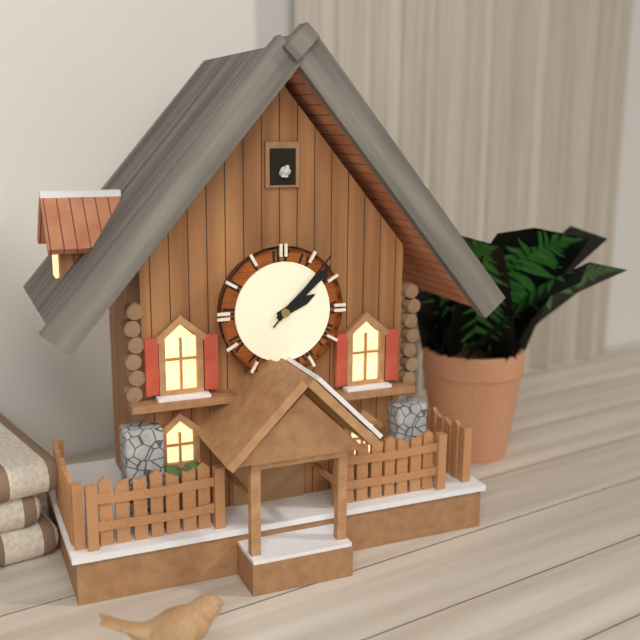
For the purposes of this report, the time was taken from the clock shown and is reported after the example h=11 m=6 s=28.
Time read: h=2 m=8 s=7
